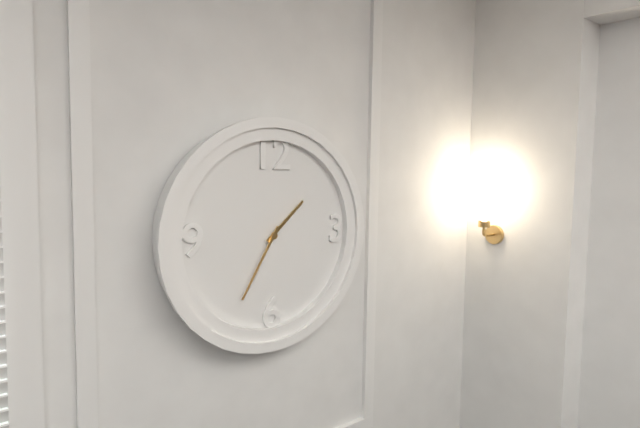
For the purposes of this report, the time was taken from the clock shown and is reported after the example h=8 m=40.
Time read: h=1 m=35
